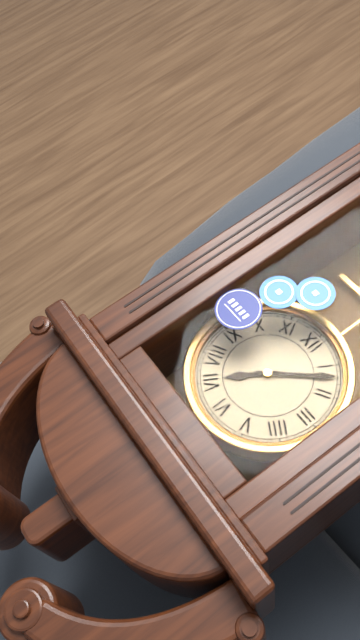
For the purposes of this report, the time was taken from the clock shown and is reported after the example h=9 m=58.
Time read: h=7 m=7
